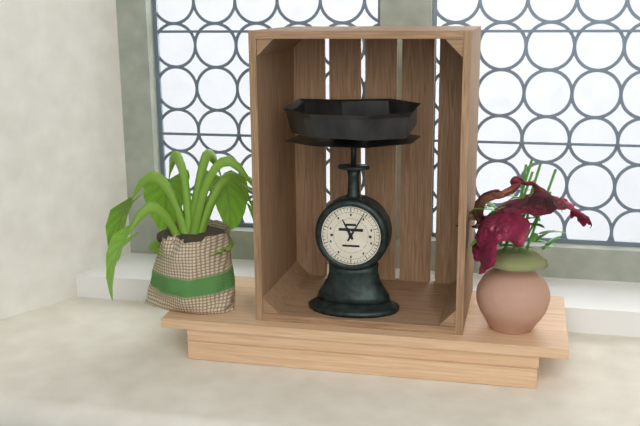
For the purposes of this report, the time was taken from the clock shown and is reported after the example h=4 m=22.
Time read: h=11 m=5
